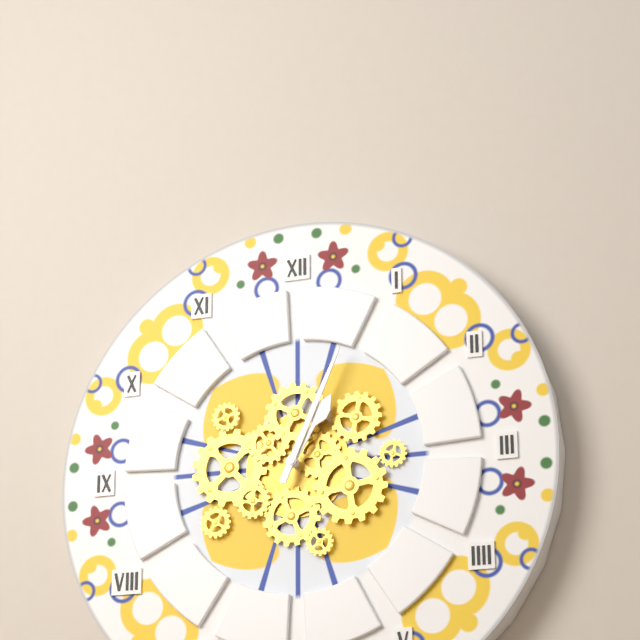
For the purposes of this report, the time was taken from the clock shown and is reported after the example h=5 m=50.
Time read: h=1 m=4
